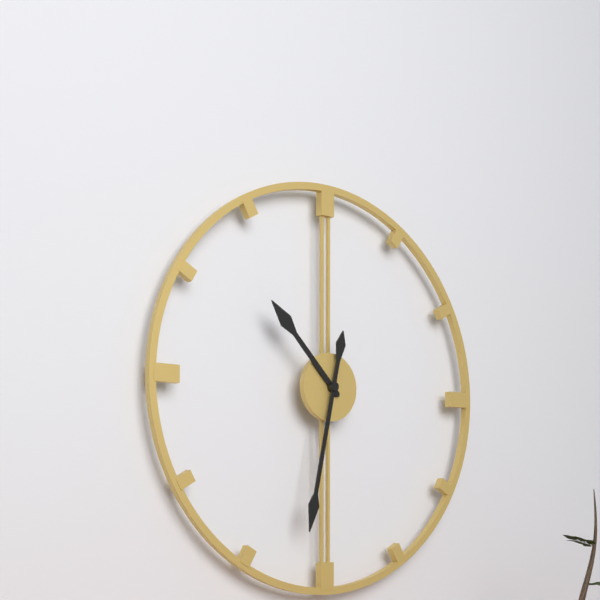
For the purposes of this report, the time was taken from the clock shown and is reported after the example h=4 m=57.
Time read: h=10 m=32
